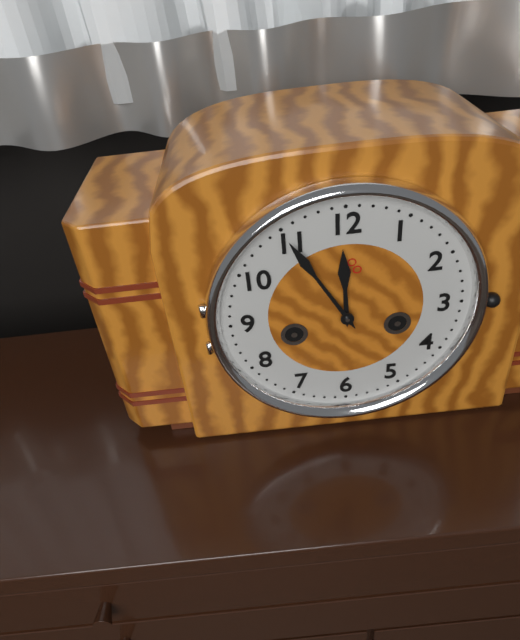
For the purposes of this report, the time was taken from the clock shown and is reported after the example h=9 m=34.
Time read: h=11 m=55
